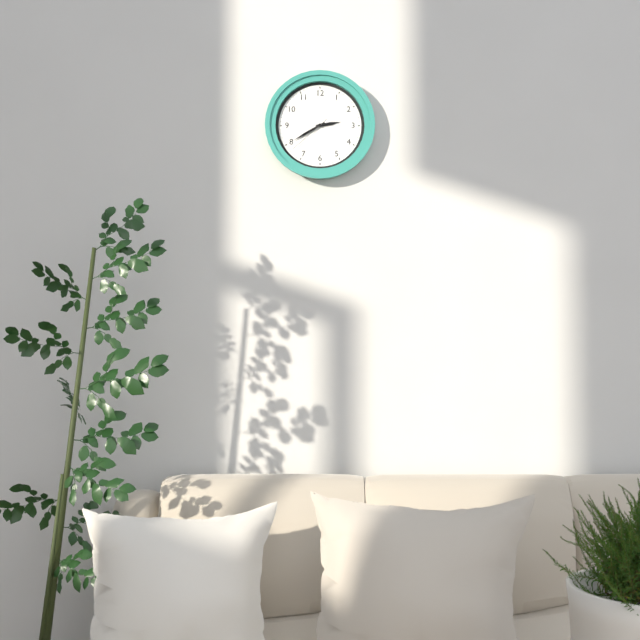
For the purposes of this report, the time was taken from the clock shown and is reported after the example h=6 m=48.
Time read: h=2 m=40
